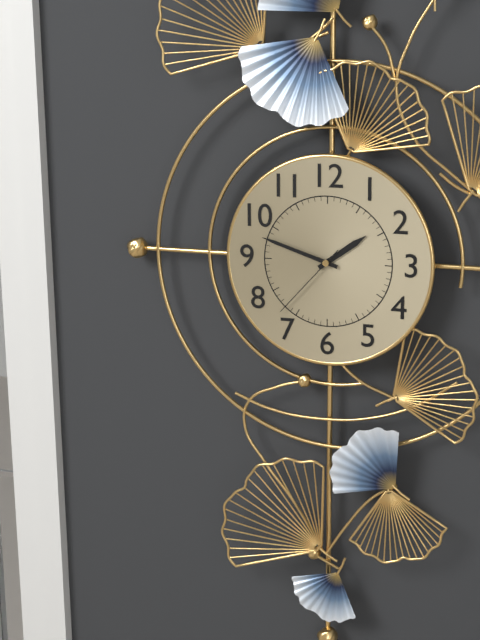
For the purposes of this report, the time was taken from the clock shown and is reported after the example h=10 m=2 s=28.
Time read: h=1 m=48 s=37
